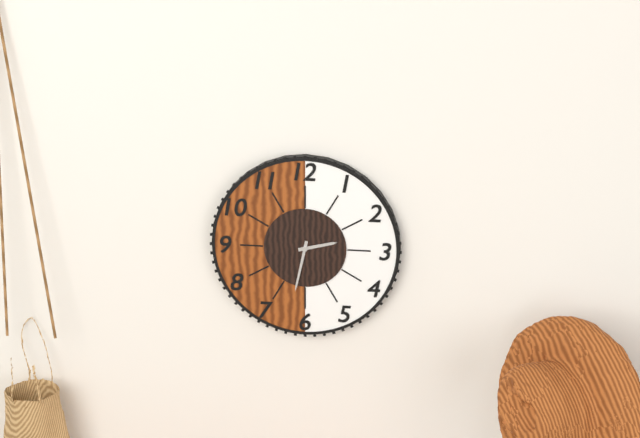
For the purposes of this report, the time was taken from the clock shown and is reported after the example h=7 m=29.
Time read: h=2 m=32
